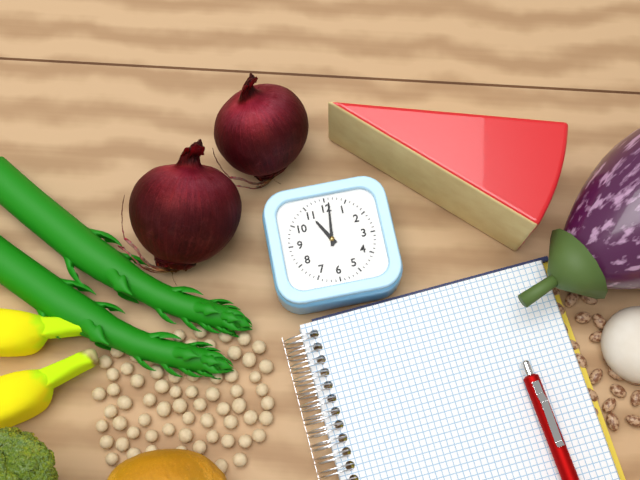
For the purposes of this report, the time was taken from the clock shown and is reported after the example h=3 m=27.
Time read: h=11 m=1
